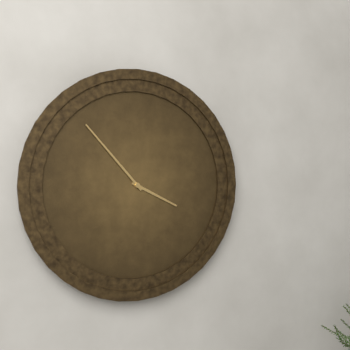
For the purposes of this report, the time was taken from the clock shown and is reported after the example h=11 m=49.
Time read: h=3 m=53
